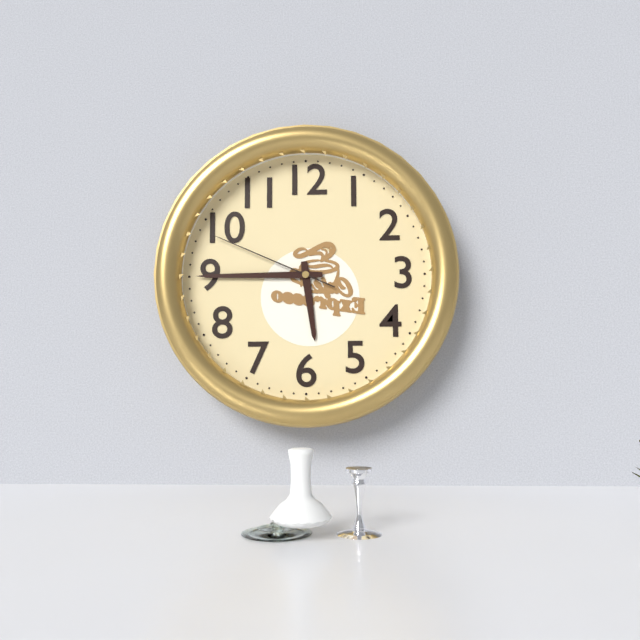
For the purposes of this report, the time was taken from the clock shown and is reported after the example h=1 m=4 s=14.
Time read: h=5 m=45 s=49
